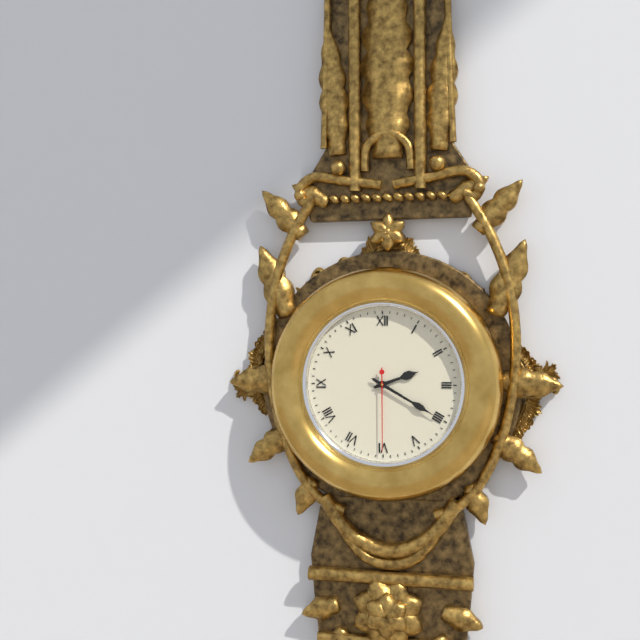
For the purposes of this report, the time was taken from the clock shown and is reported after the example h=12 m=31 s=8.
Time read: h=2 m=20 s=30
